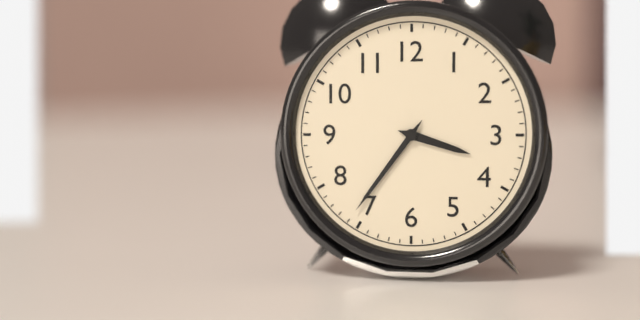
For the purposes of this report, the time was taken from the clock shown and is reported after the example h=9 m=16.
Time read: h=3 m=36
